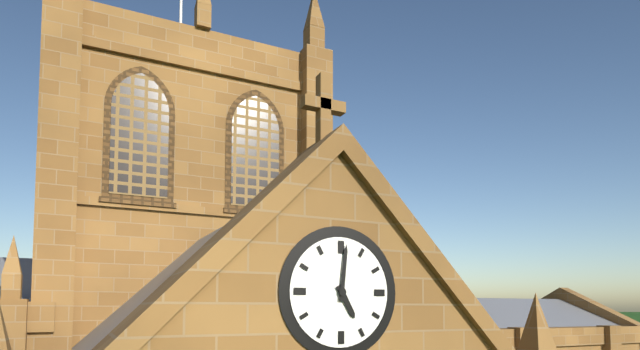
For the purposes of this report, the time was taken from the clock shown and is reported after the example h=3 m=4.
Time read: h=5 m=1
